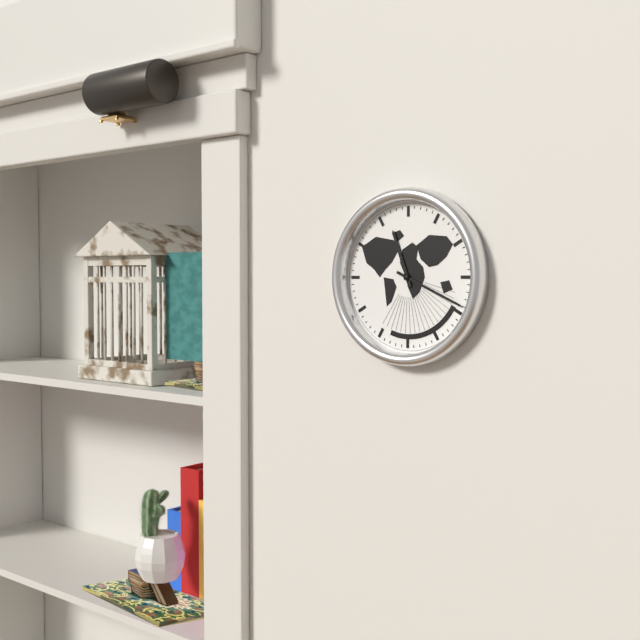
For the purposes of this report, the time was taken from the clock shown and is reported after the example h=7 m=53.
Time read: h=11 m=19
